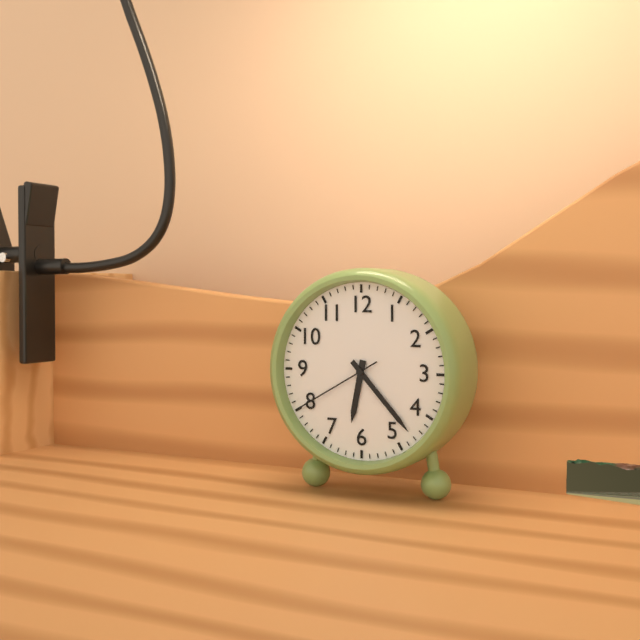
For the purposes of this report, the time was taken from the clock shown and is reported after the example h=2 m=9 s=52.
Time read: h=6 m=23 s=40
